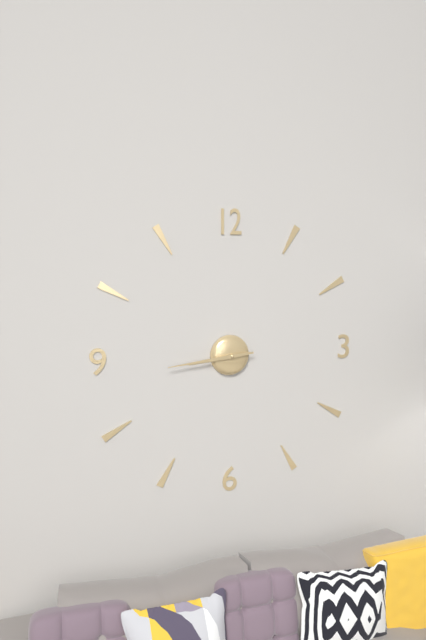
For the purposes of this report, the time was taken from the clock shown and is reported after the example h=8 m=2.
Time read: h=8 m=44
